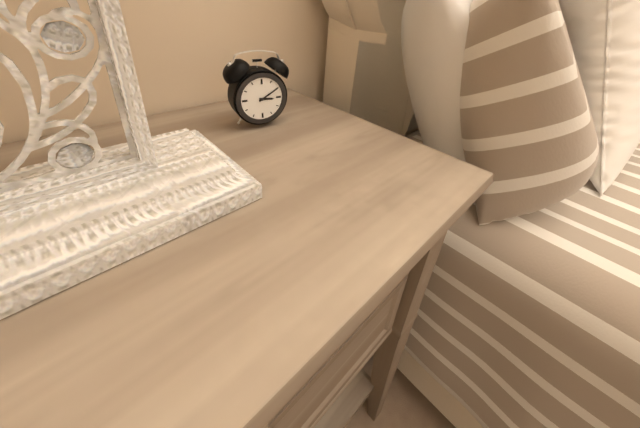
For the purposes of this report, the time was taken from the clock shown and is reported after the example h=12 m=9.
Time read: h=3 m=10
